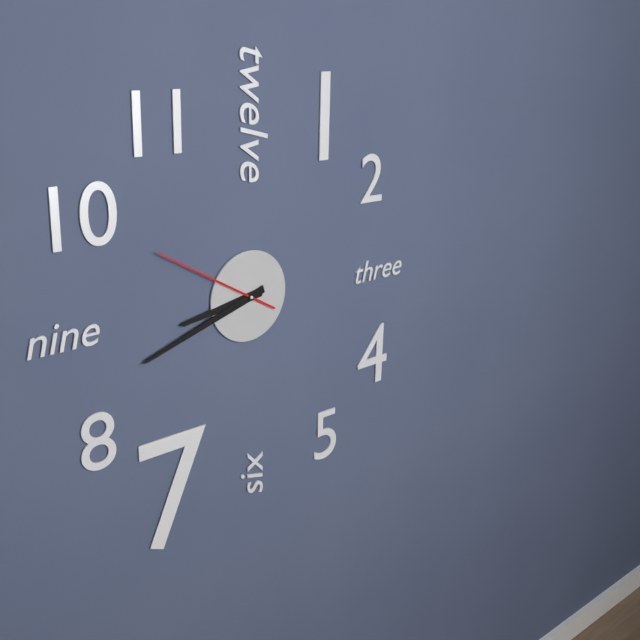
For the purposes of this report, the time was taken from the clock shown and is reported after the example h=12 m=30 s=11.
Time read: h=8 m=42 s=50
